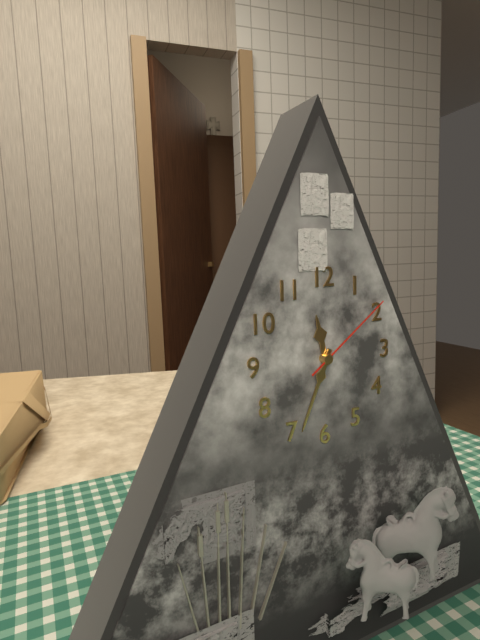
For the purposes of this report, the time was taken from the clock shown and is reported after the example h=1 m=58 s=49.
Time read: h=11 m=34 s=9
